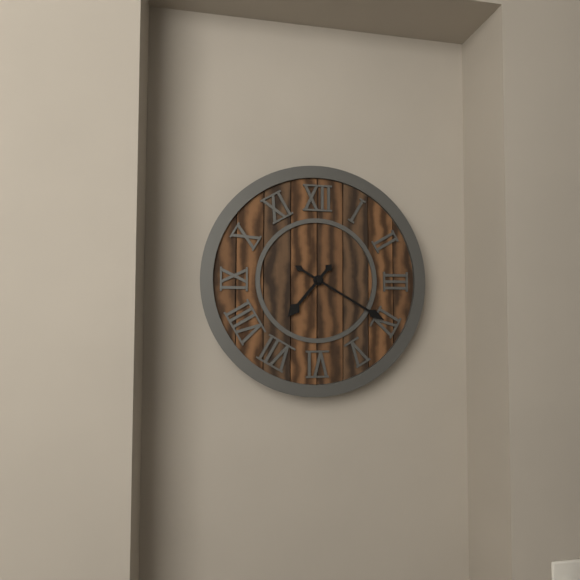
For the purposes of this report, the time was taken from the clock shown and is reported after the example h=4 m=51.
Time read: h=7 m=20
